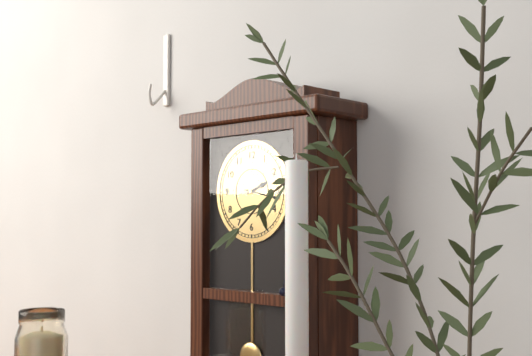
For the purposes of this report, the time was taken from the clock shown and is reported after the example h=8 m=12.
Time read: h=2 m=17
